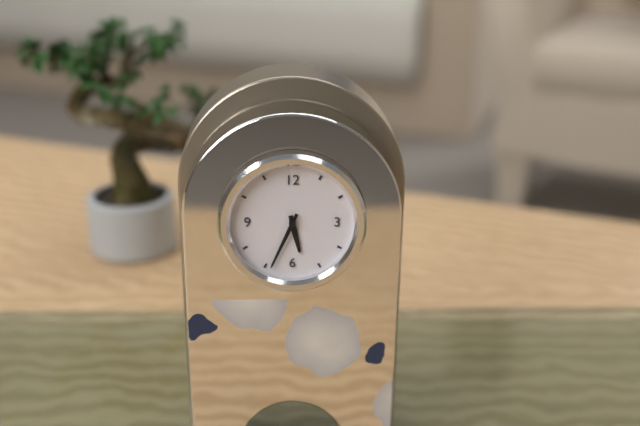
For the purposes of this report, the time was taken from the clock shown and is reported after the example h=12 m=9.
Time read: h=5 m=34
